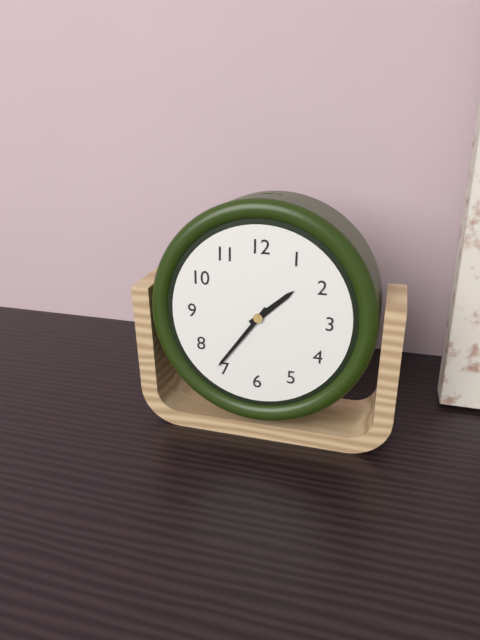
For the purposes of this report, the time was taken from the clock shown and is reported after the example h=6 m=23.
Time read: h=1 m=36
